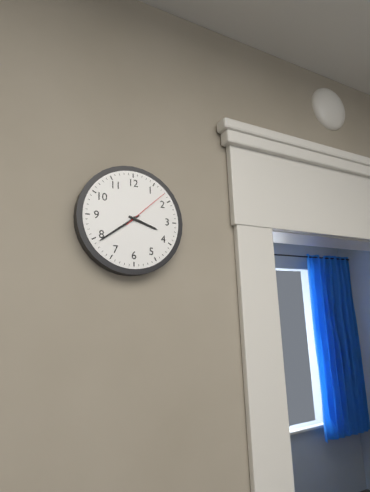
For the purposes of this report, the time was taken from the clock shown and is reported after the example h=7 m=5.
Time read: h=3 m=39
